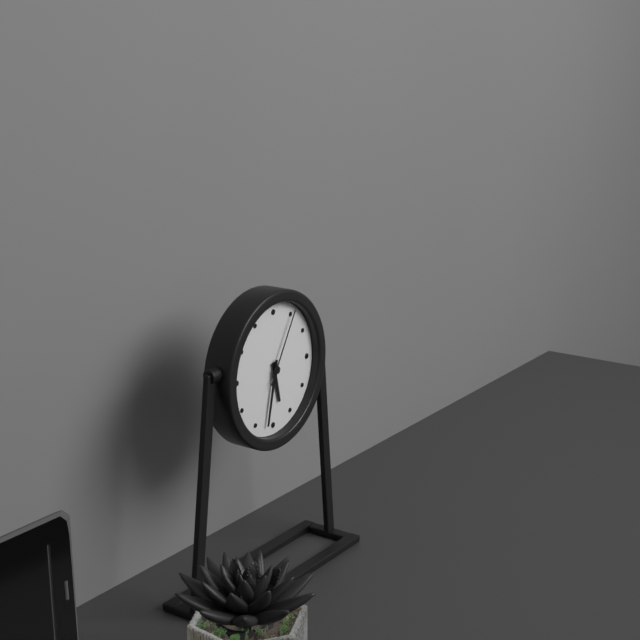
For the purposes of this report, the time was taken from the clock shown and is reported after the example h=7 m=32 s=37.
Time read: h=5 m=32 s=5
